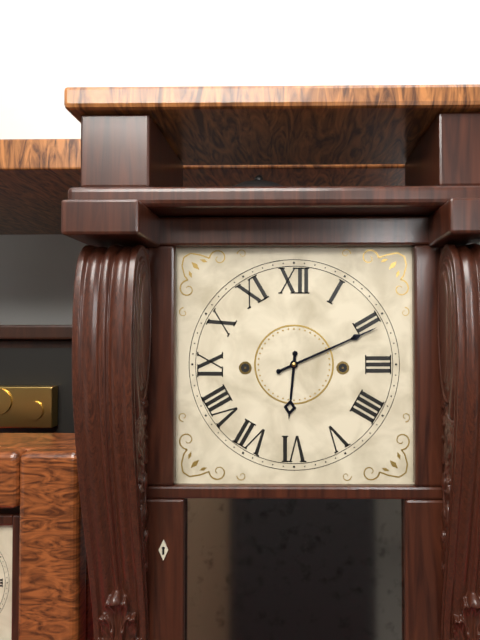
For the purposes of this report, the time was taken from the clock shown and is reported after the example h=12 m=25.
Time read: h=6 m=11
